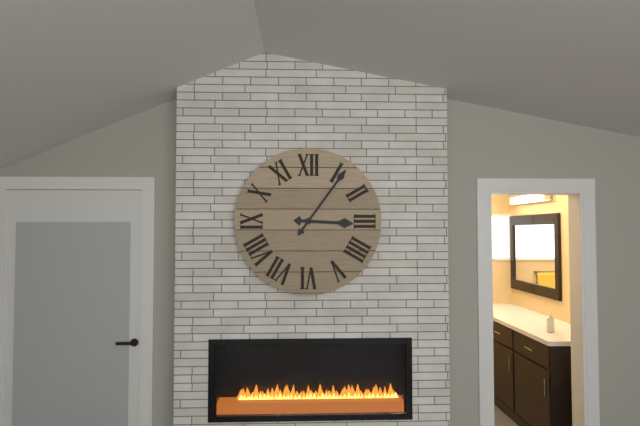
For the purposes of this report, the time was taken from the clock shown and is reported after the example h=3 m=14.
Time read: h=3 m=6
